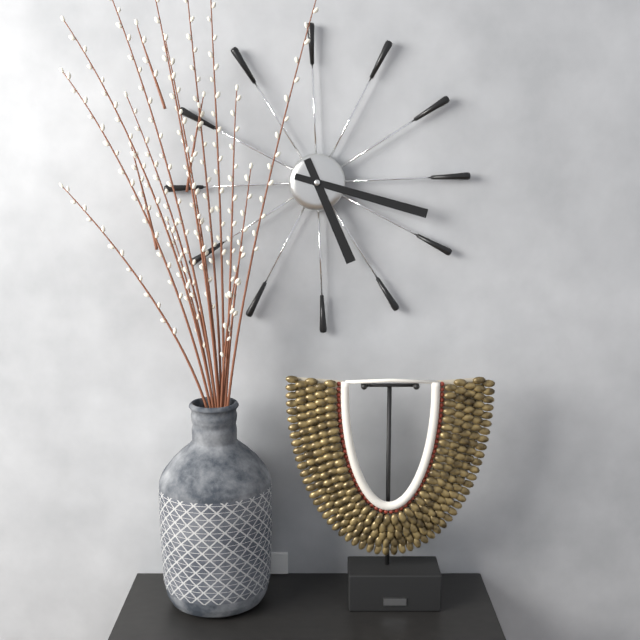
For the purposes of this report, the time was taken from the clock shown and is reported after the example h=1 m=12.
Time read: h=5 m=18
